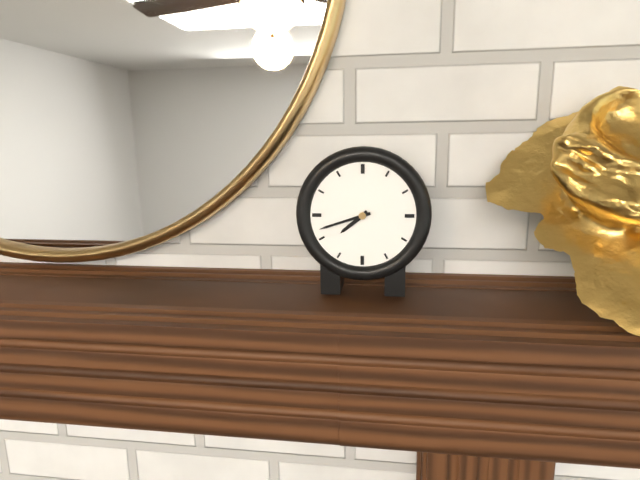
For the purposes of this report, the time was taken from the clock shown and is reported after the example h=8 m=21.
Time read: h=7 m=42
